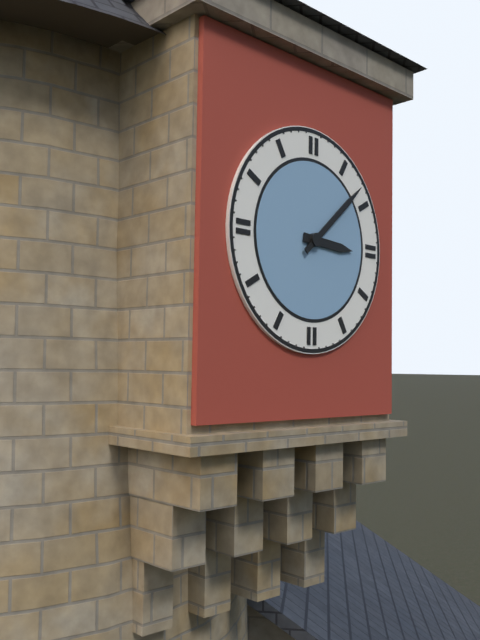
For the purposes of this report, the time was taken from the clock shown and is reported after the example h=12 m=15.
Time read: h=3 m=8
